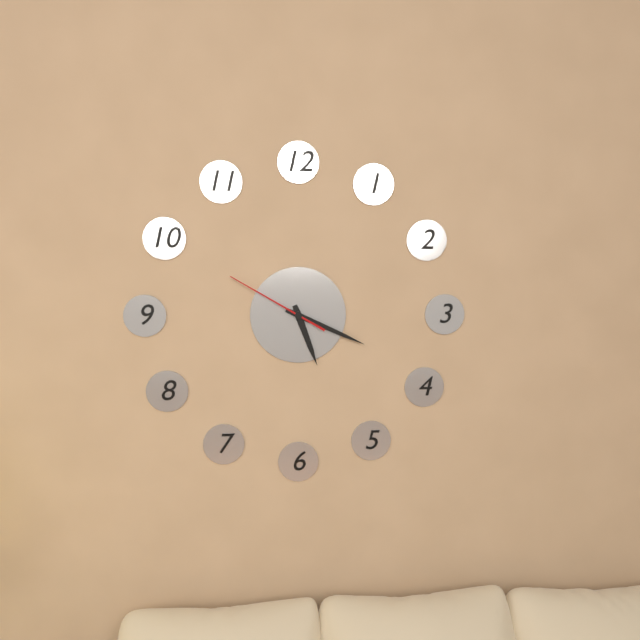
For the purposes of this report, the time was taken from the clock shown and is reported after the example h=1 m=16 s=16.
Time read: h=5 m=19 s=50
